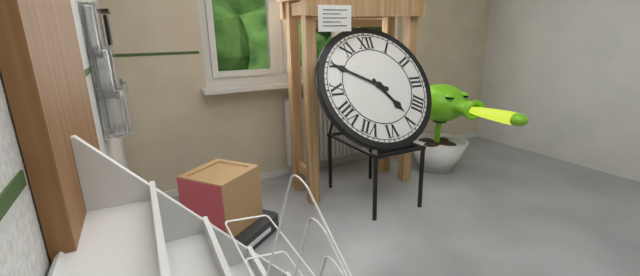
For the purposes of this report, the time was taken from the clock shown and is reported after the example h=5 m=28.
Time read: h=4 m=50
